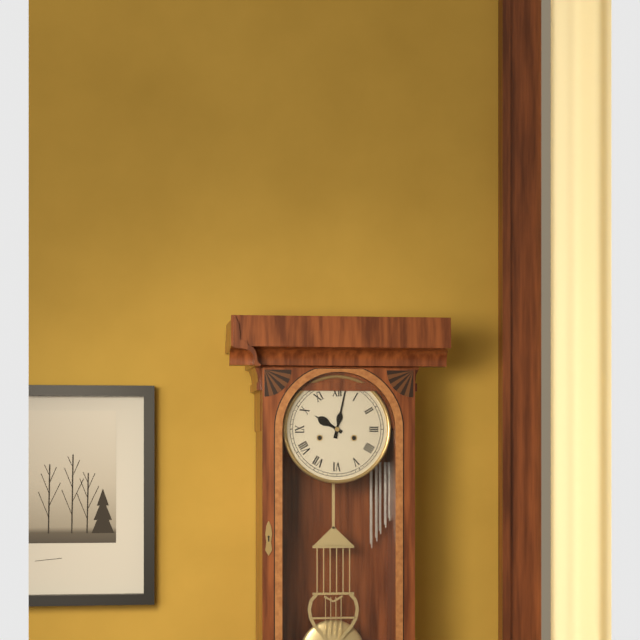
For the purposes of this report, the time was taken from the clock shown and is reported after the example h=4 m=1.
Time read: h=10 m=2
